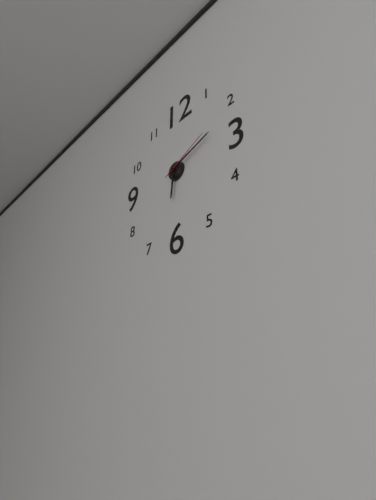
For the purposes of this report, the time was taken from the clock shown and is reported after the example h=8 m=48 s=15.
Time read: h=6 m=12 s=11
